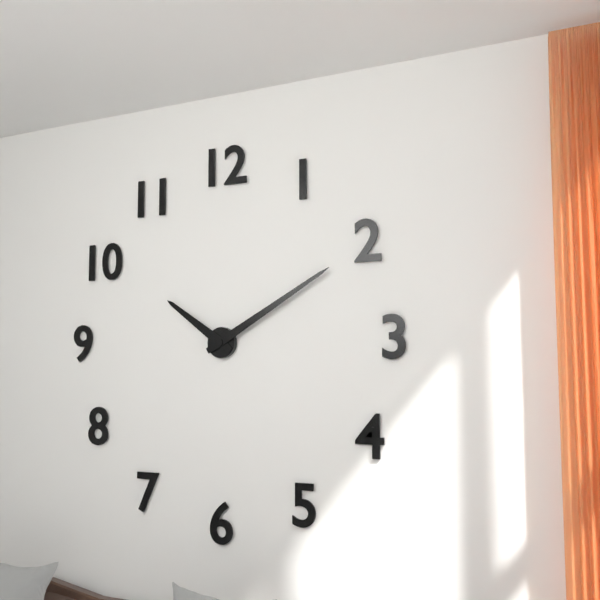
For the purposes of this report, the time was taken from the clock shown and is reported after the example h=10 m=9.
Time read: h=10 m=10
